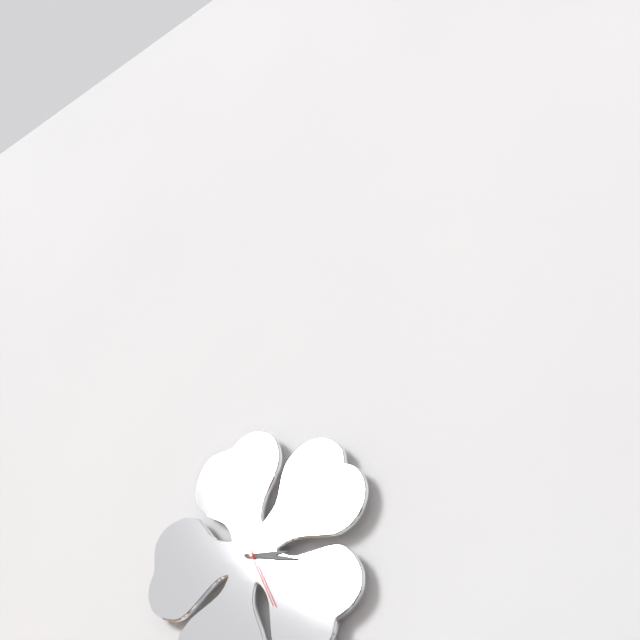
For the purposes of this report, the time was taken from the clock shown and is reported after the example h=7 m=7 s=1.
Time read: h=3 m=18 s=26
